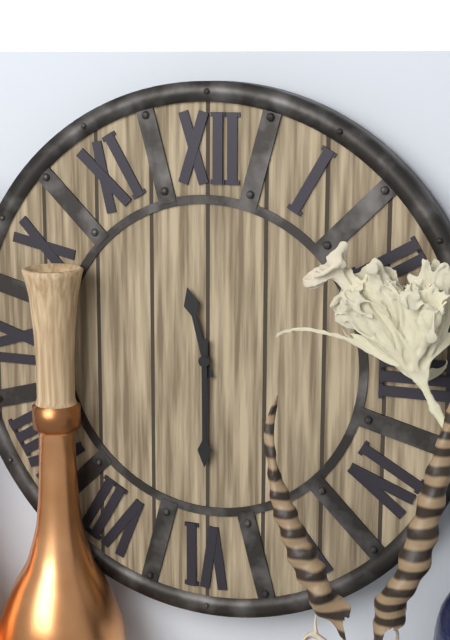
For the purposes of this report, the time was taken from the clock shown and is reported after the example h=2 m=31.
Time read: h=11 m=30
